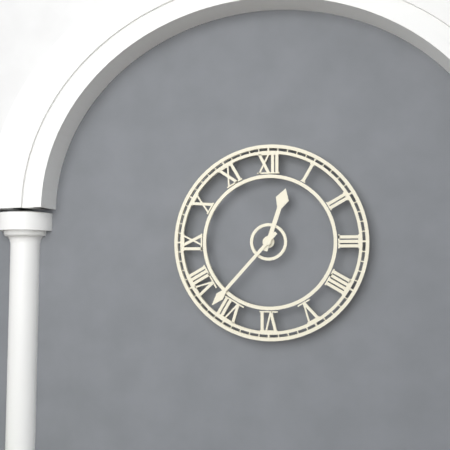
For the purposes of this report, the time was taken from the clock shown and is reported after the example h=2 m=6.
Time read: h=12 m=37
